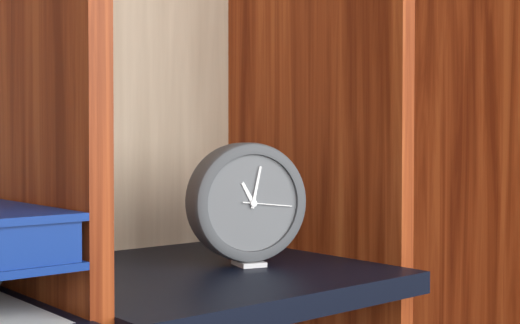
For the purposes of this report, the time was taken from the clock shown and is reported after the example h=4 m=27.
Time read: h=11 m=2
